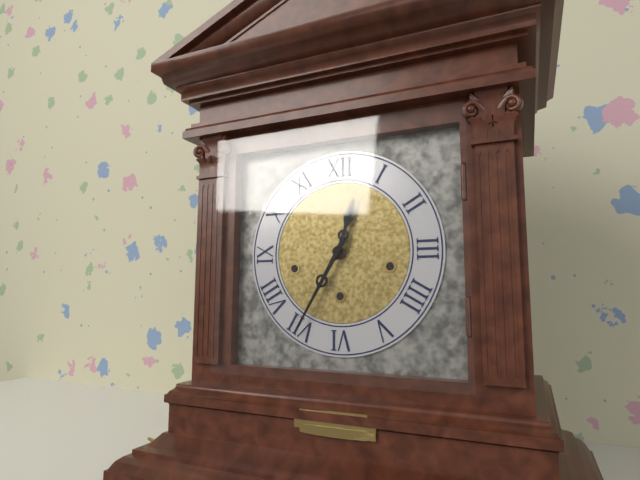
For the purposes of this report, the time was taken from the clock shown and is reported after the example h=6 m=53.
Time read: h=12 m=35
